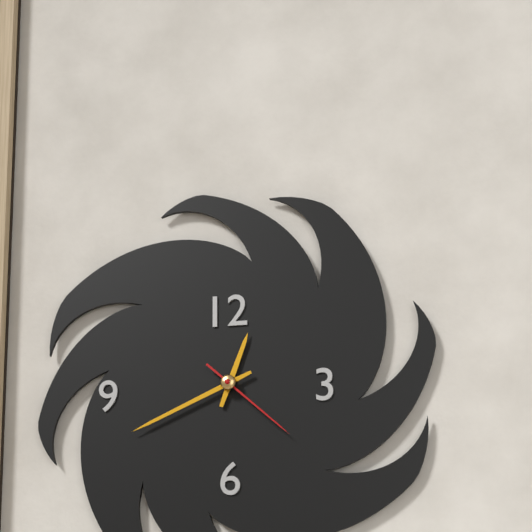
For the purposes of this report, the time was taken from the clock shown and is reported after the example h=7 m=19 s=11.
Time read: h=12 m=41 s=22
